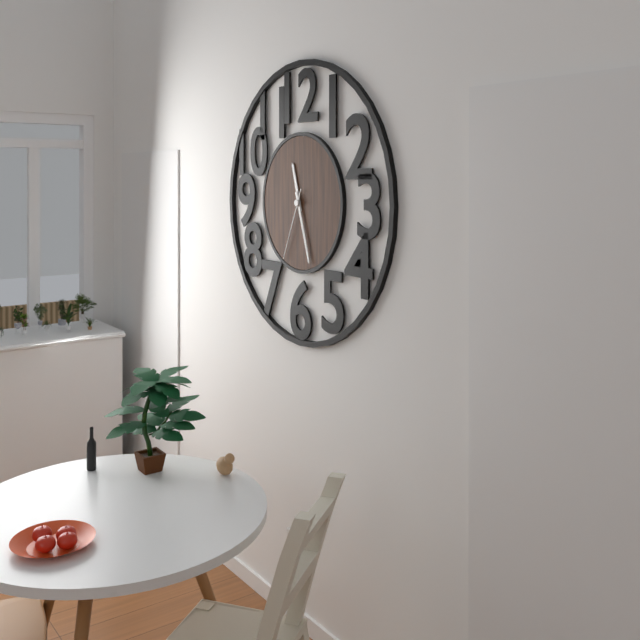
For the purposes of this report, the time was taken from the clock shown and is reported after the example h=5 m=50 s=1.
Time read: h=11 m=27 s=34
